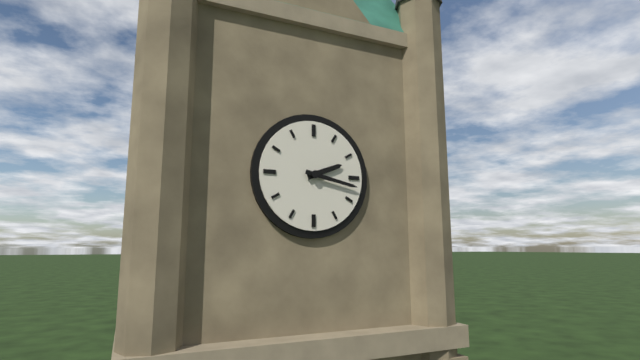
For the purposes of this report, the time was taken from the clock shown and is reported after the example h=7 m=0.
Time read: h=2 m=17
